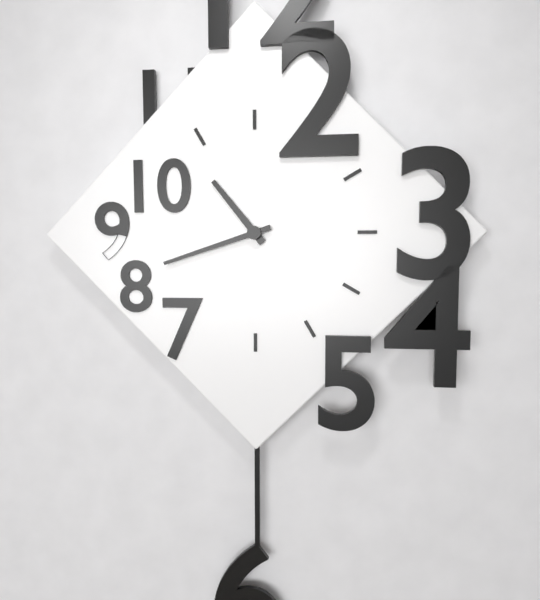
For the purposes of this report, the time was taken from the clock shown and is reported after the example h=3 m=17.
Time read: h=10 m=42
